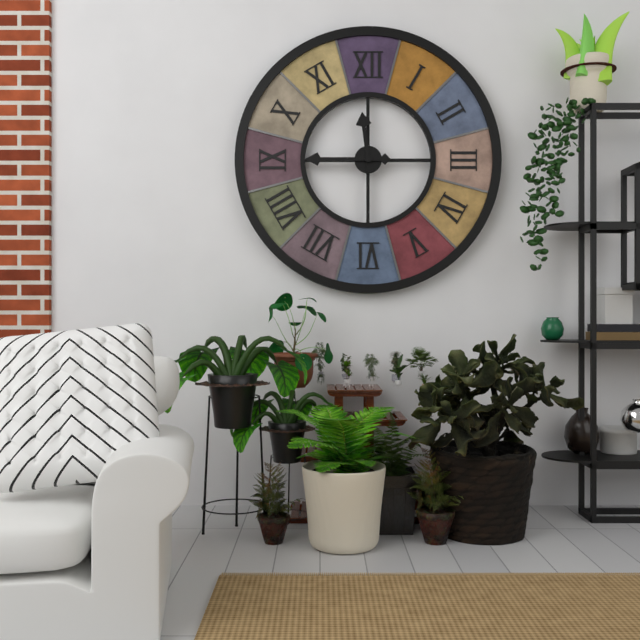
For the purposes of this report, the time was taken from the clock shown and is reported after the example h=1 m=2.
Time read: h=11 m=45
